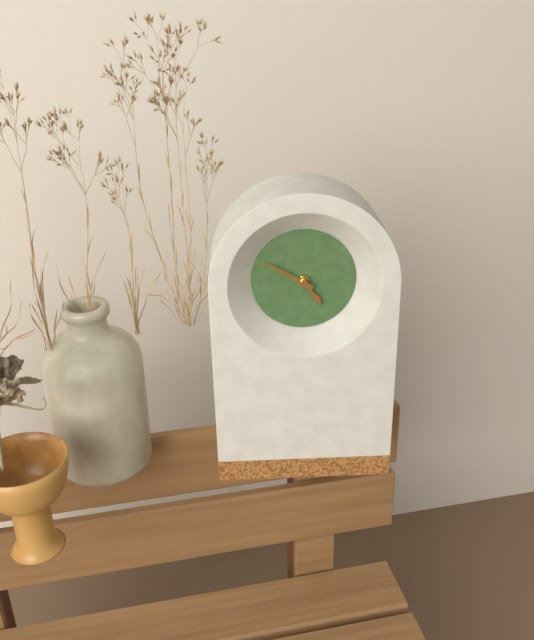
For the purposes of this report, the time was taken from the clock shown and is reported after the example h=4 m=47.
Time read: h=4 m=50
